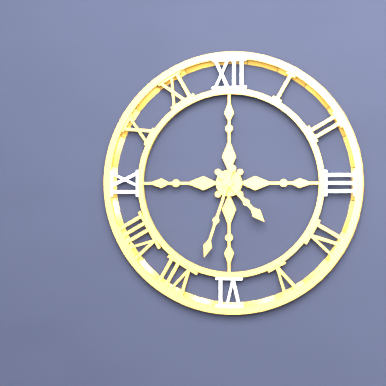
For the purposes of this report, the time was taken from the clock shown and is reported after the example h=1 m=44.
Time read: h=4 m=33
